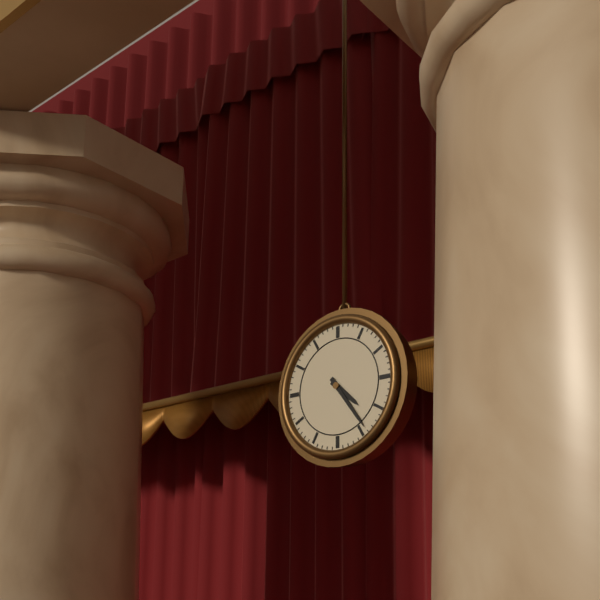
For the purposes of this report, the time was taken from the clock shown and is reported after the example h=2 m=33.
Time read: h=4 m=24
